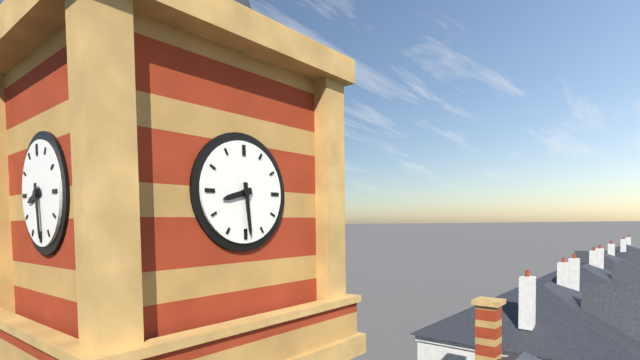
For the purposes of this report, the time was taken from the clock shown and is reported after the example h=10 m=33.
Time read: h=8 m=29
